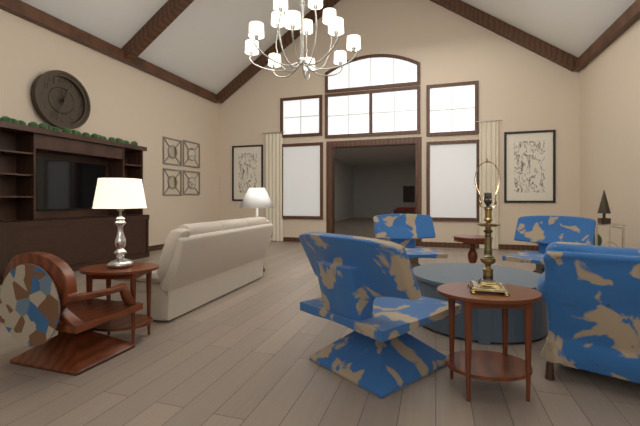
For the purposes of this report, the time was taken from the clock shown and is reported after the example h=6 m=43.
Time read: h=12 m=34
